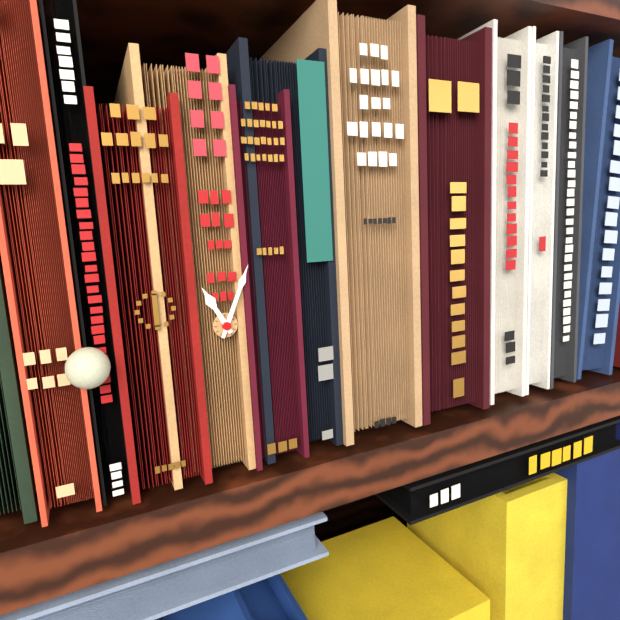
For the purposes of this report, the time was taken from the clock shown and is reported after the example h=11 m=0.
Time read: h=11 m=4
